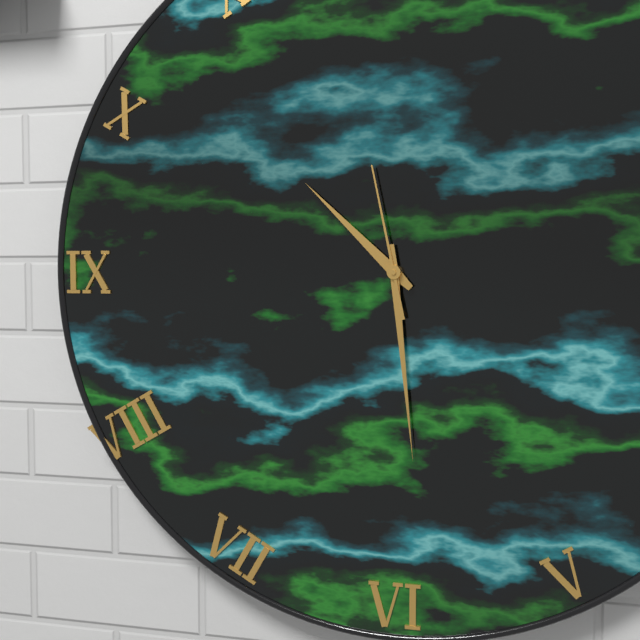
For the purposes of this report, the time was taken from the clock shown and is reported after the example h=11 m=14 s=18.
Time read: h=10 m=29 s=58
